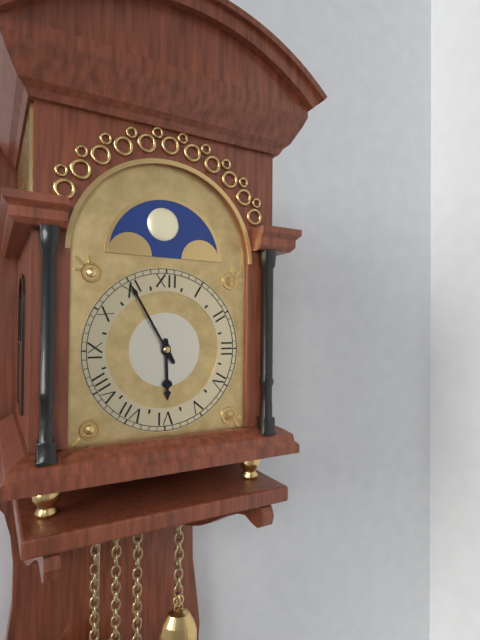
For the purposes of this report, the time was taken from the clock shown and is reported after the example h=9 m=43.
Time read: h=5 m=55
